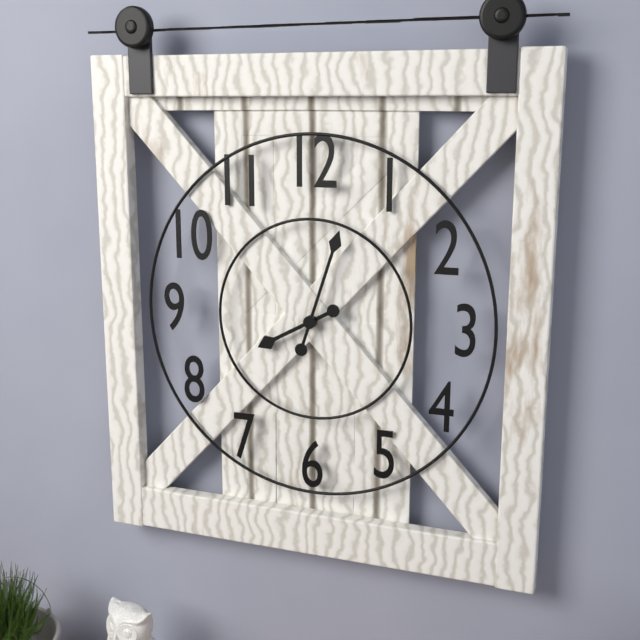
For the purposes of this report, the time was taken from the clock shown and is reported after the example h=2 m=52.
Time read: h=8 m=3
